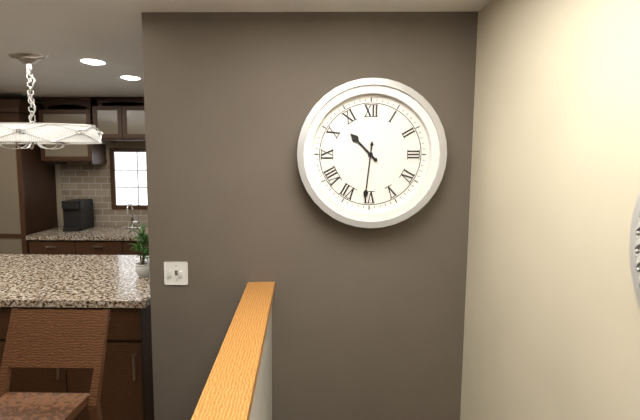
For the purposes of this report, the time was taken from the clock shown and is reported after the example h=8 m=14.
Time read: h=10 m=31
